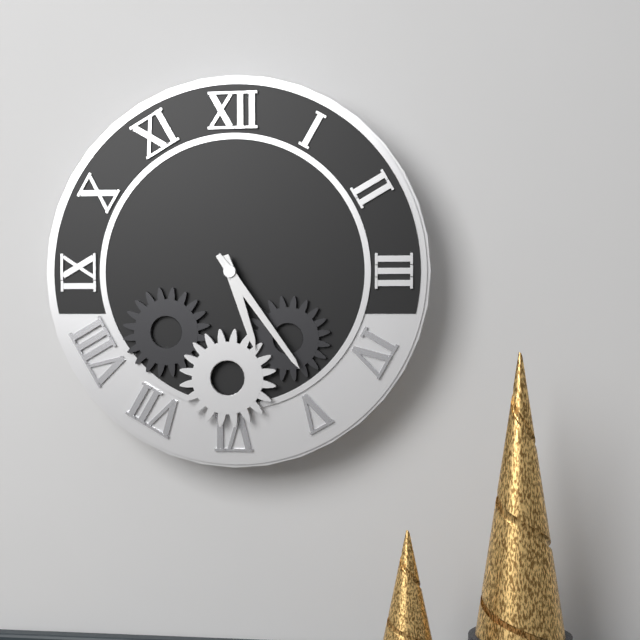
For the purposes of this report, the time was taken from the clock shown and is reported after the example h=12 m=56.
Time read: h=5 m=24
